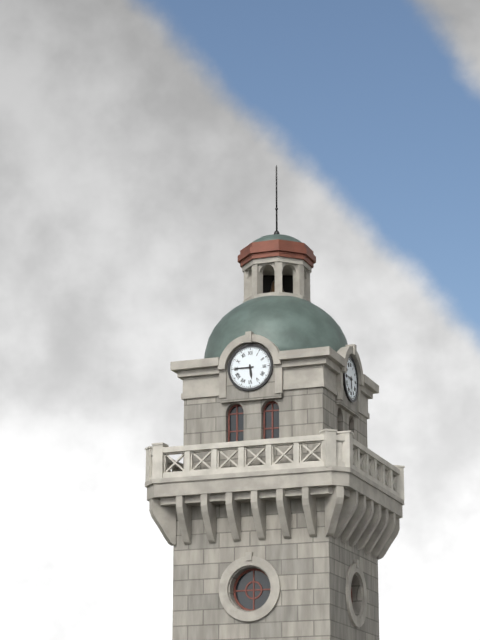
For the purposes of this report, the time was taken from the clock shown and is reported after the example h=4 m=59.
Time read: h=5 m=45
